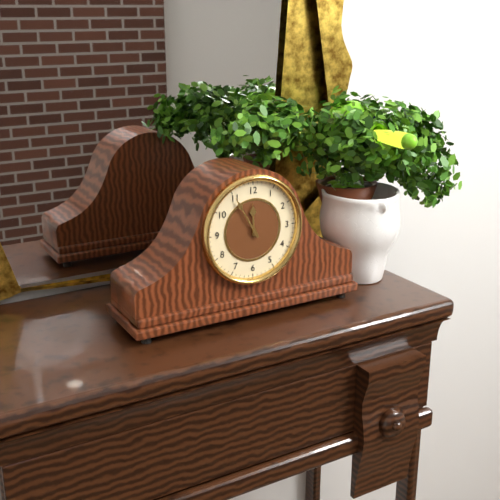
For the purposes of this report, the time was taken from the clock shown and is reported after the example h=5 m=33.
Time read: h=11 m=55
